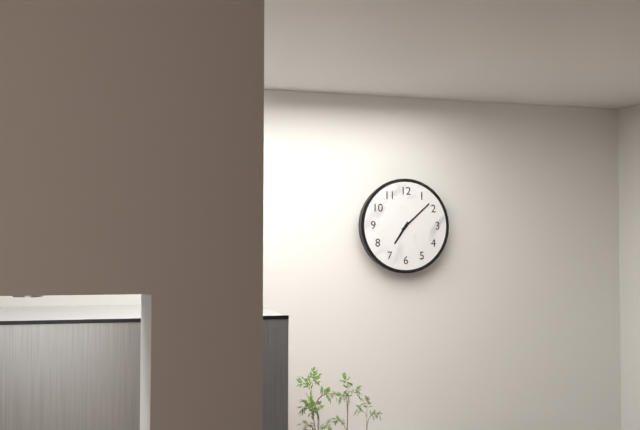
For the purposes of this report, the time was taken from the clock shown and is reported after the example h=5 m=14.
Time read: h=7 m=8
